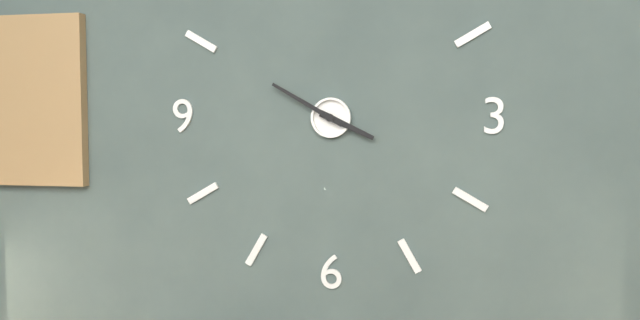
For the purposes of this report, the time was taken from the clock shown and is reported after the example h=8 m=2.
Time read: h=3 m=50
